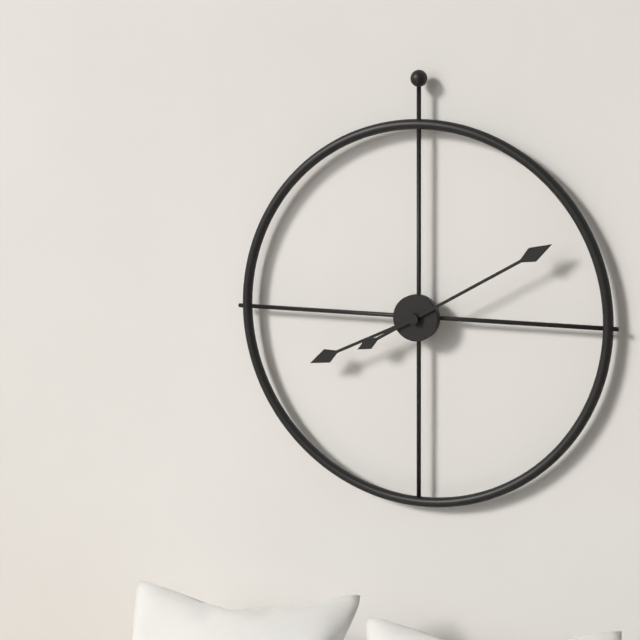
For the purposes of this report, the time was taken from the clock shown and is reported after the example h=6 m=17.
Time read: h=8 m=10
